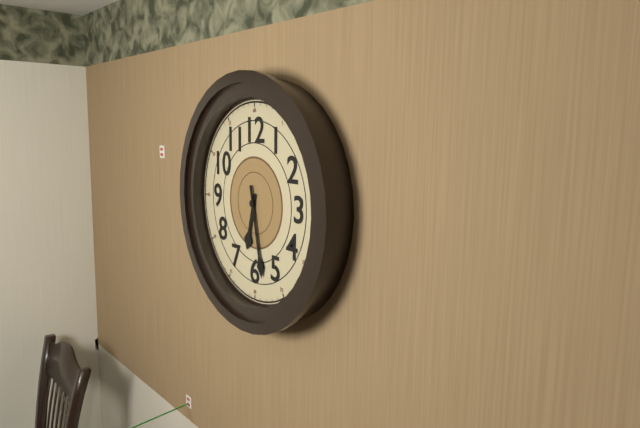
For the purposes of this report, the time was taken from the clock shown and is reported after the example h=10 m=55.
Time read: h=6 m=28
